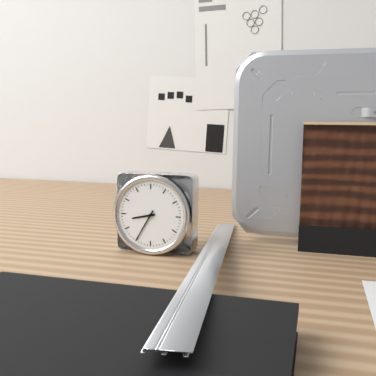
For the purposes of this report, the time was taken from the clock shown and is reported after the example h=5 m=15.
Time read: h=8 m=35
